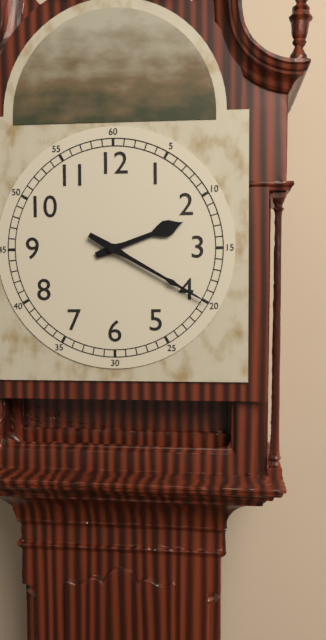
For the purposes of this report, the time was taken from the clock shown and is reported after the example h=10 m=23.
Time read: h=2 m=20
